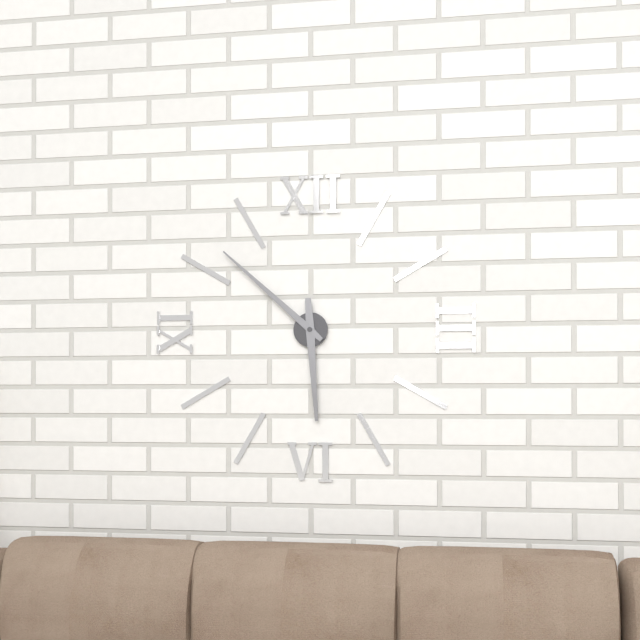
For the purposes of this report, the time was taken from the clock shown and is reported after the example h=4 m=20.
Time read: h=5 m=52
